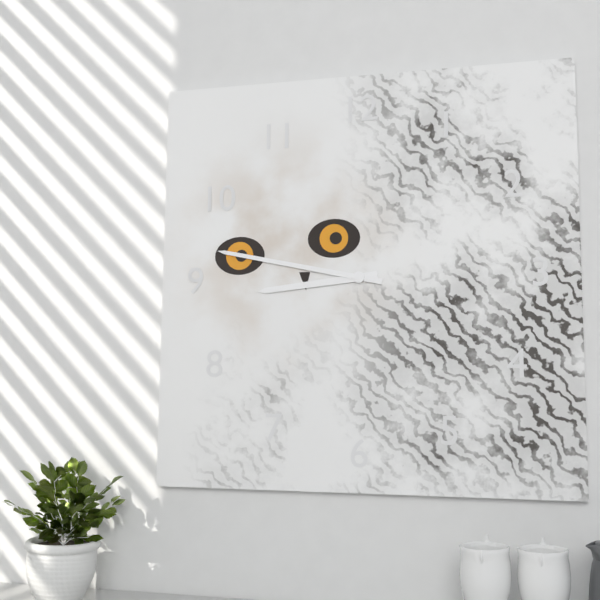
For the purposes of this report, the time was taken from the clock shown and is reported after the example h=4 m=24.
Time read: h=8 m=47
